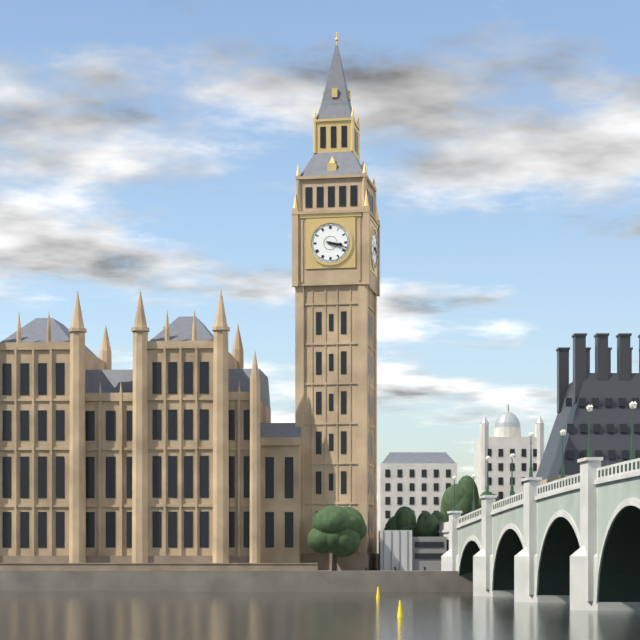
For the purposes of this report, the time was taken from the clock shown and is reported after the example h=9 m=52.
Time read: h=3 m=18
